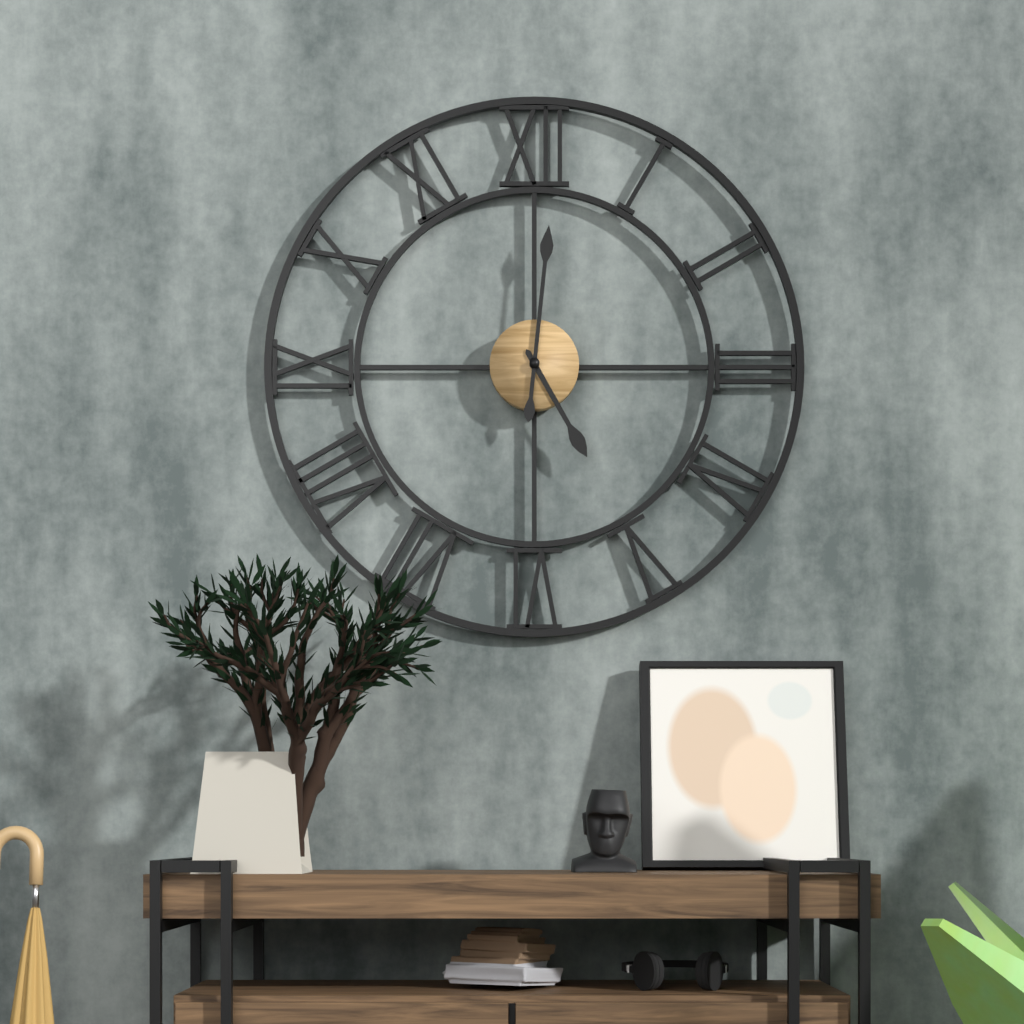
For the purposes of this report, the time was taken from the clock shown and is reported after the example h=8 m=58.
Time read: h=5 m=1
